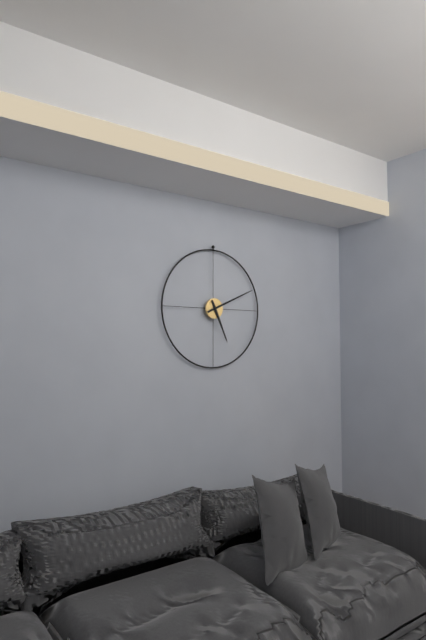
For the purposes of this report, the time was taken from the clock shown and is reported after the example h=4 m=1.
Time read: h=5 m=11
